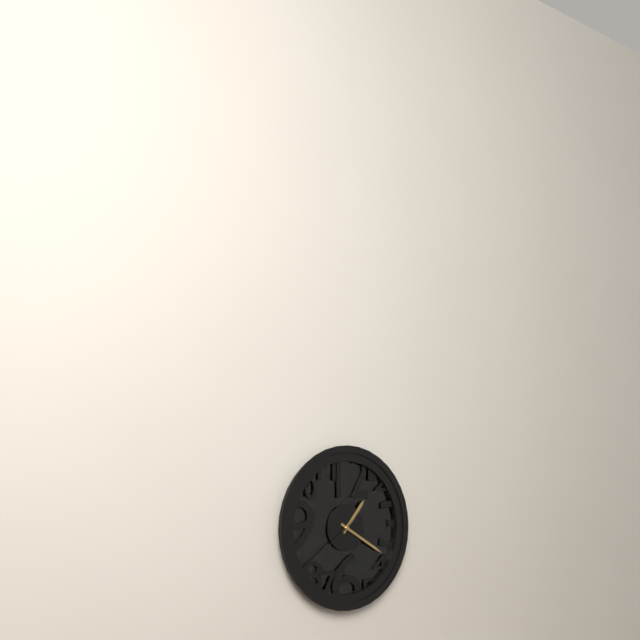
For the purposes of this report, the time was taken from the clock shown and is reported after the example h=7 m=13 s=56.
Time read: h=1 m=20 s=39
